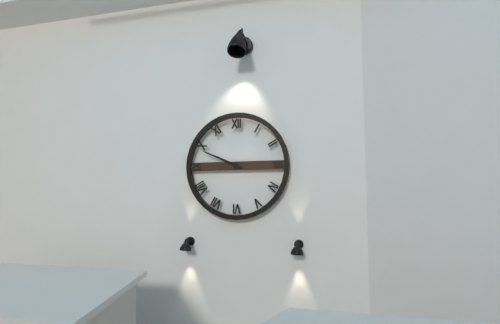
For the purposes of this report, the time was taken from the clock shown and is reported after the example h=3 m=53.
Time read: h=9 m=49
